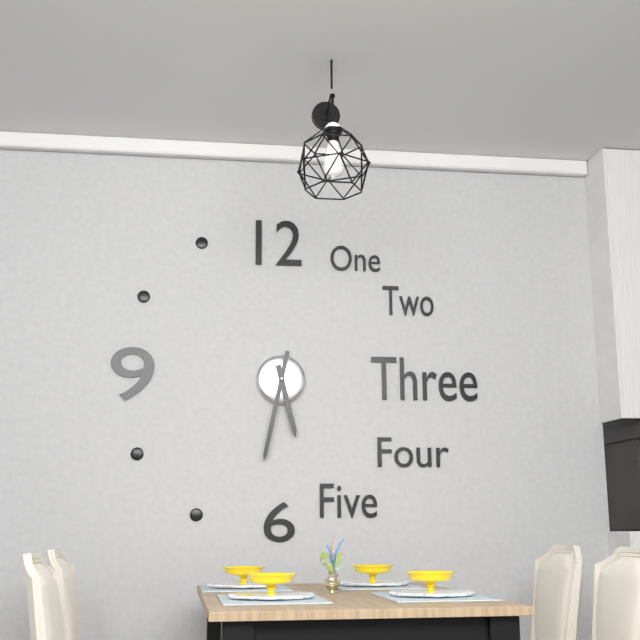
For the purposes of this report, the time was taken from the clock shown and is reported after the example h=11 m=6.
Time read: h=5 m=32
